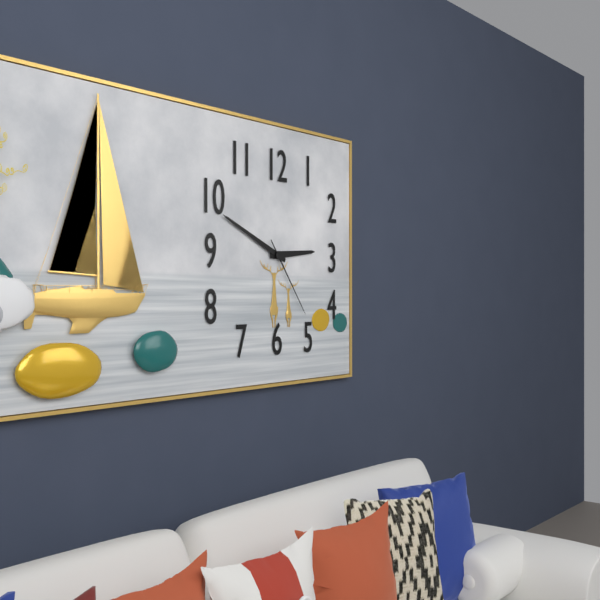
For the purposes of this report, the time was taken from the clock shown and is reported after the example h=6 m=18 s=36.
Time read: h=2 m=49 s=24
